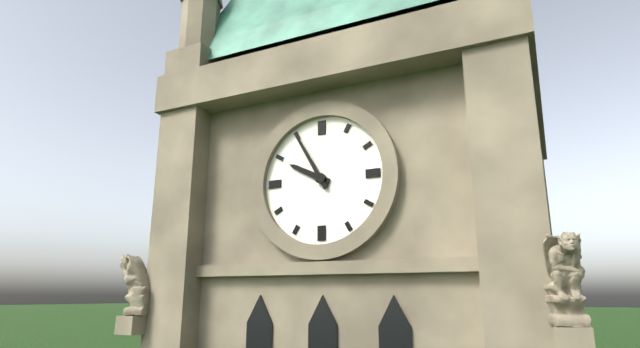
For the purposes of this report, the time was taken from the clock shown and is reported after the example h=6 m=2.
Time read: h=9 m=55
